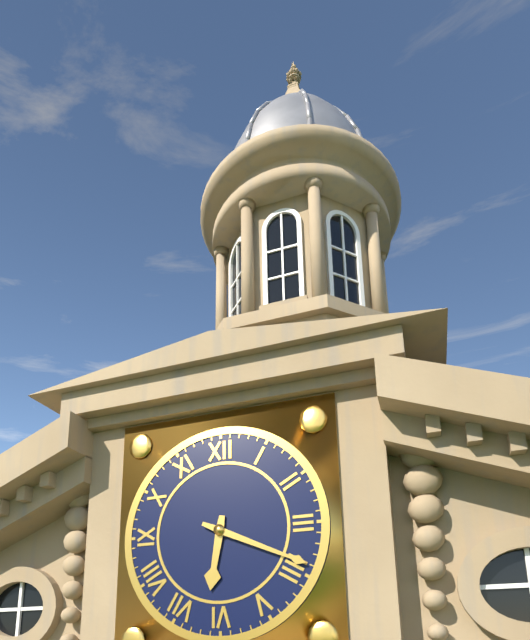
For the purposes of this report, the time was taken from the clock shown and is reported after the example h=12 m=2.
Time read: h=6 m=19
